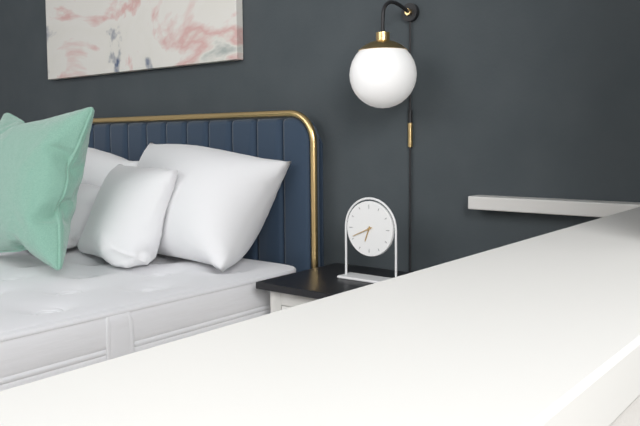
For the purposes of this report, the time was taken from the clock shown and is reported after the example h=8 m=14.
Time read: h=6 m=41
